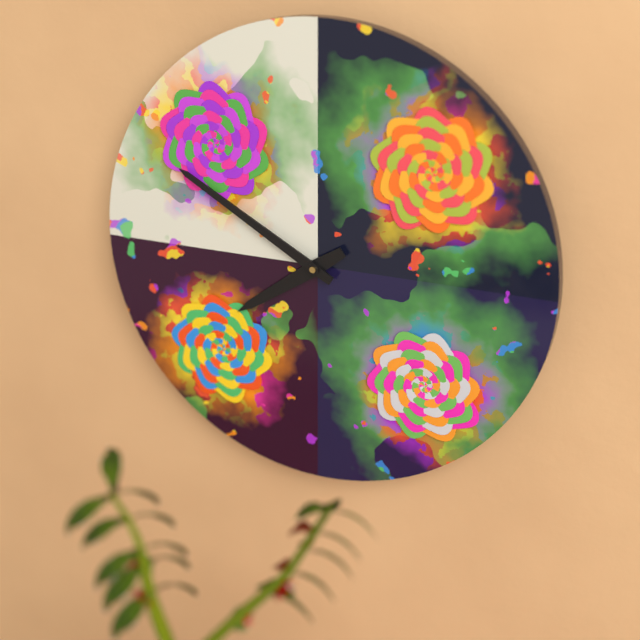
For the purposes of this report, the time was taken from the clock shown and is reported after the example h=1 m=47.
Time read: h=7 m=50
